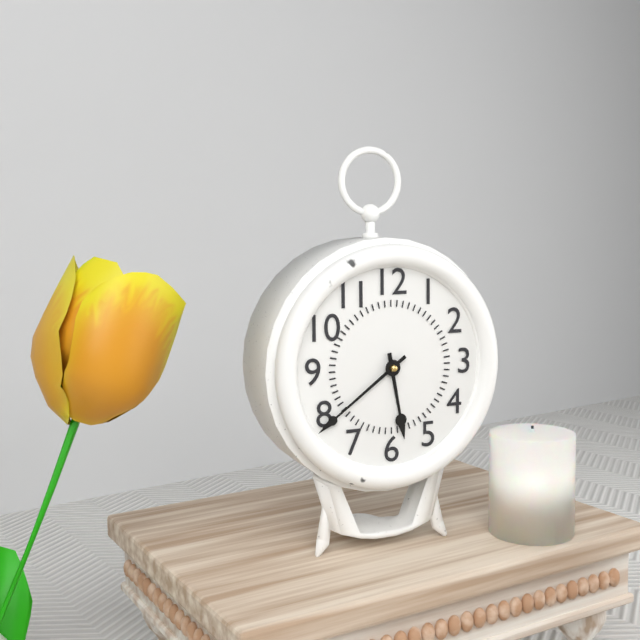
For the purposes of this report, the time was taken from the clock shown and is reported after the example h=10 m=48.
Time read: h=5 m=39
